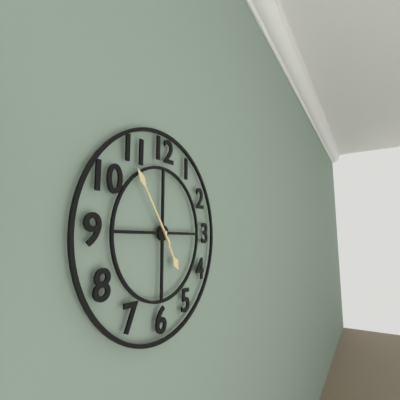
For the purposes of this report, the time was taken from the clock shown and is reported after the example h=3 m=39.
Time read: h=4 m=54
